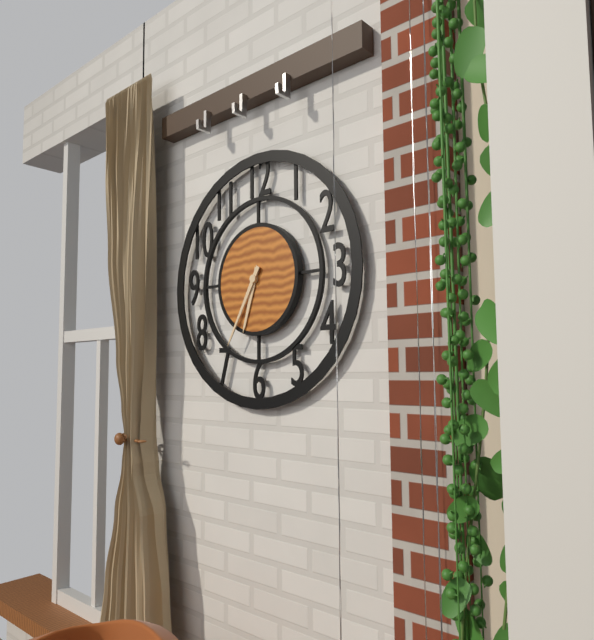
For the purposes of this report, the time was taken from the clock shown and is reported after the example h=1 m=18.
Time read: h=6 m=35
